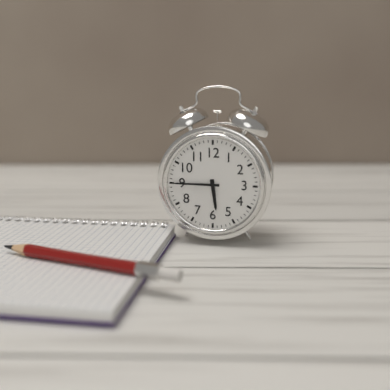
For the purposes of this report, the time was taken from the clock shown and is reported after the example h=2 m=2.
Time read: h=5 m=45
